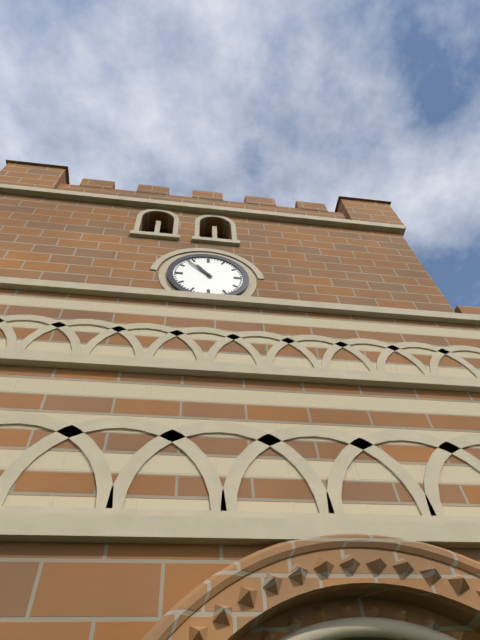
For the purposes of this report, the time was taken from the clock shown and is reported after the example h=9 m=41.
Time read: h=10 m=53
